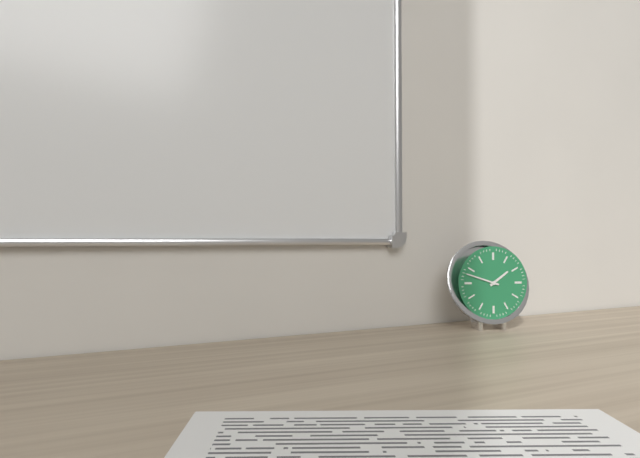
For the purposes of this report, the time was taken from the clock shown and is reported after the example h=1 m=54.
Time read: h=1 m=48
